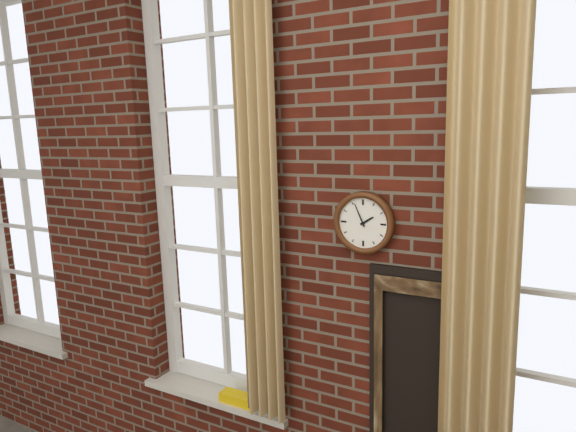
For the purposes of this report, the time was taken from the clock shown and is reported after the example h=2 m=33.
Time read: h=1 m=56
